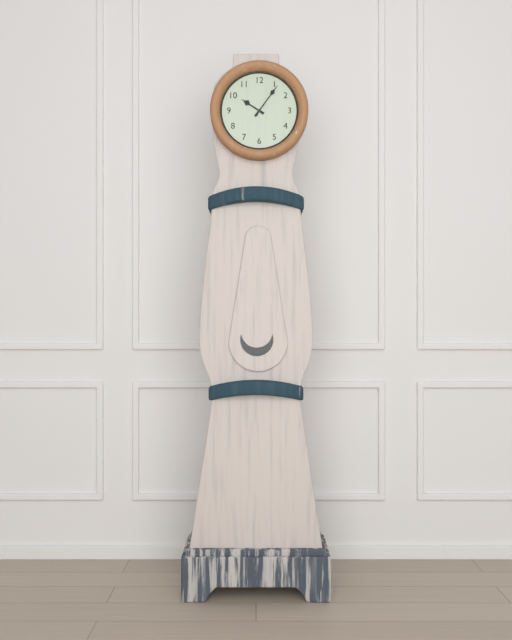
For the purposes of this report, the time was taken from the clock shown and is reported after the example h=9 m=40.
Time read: h=10 m=6
